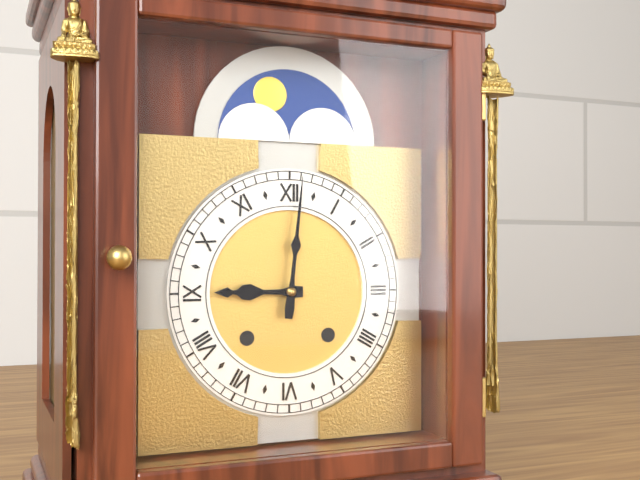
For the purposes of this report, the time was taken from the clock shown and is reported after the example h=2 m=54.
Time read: h=9 m=1
